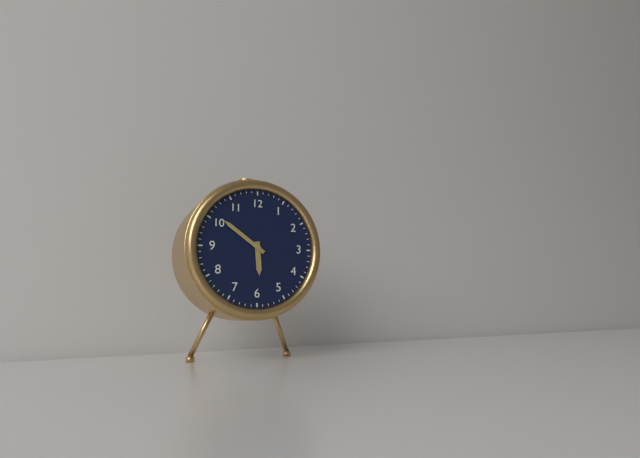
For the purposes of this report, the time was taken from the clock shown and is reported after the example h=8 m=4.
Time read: h=5 m=51
